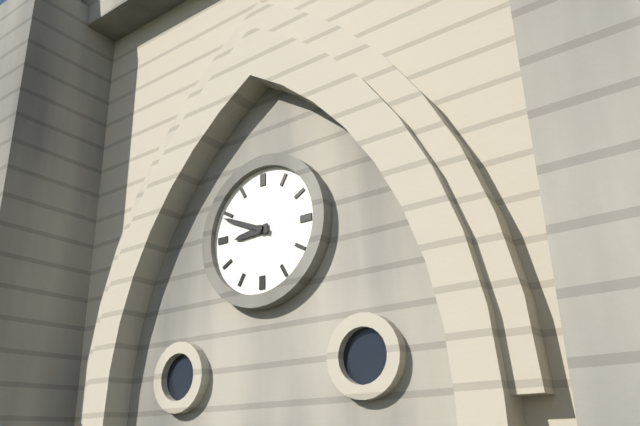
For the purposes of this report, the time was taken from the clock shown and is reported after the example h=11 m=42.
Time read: h=8 m=49
